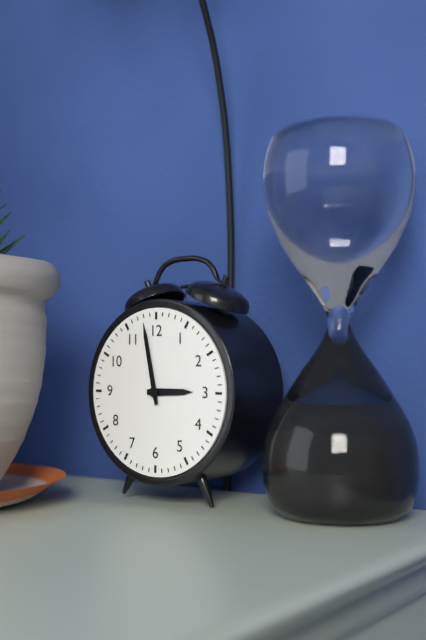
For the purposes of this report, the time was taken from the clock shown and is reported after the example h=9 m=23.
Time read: h=2 m=58
